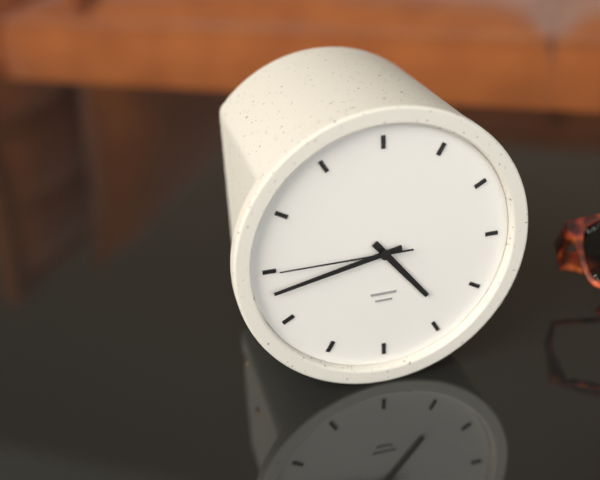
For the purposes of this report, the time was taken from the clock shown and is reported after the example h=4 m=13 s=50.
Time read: h=4 m=43 s=45
